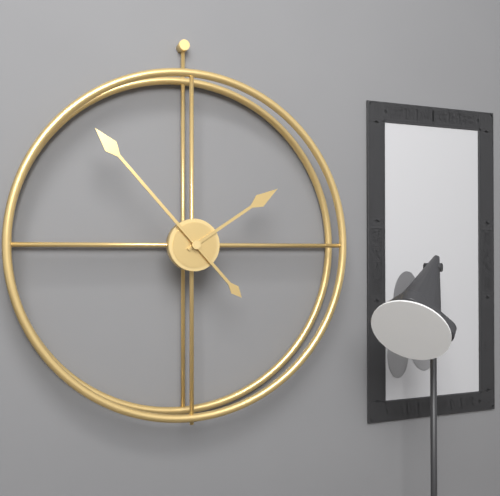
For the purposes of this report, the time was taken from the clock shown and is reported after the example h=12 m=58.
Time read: h=1 m=53
